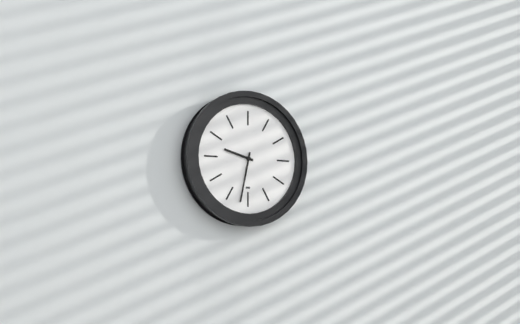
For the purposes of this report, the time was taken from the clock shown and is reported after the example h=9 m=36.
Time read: h=9 m=32
